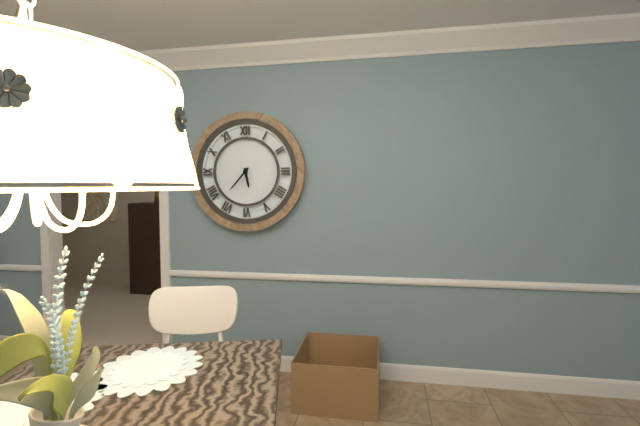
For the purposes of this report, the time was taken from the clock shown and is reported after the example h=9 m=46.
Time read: h=5 m=37
